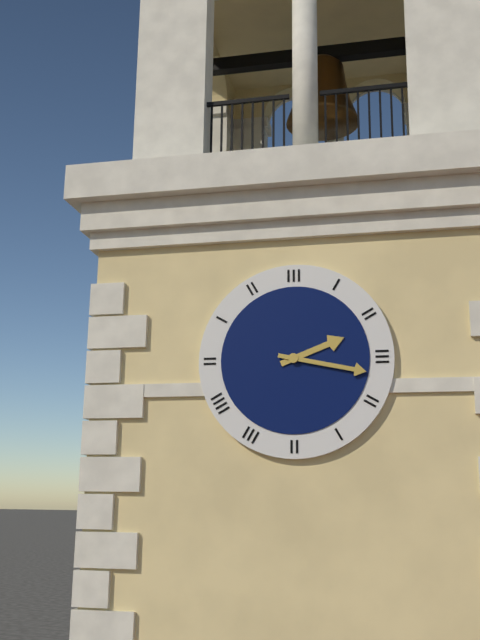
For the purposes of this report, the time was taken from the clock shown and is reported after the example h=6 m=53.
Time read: h=2 m=17
